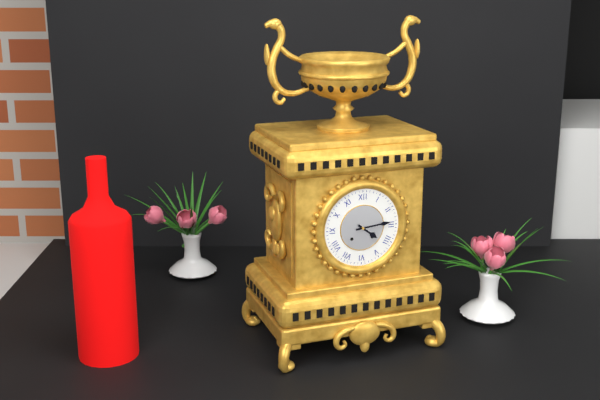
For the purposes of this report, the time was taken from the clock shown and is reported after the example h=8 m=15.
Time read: h=4 m=14
